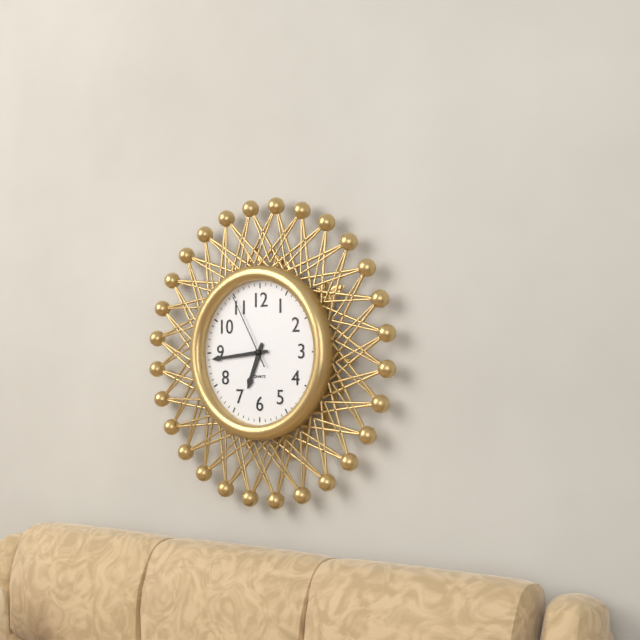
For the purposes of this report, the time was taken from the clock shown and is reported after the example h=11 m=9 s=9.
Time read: h=6 m=44 s=55
